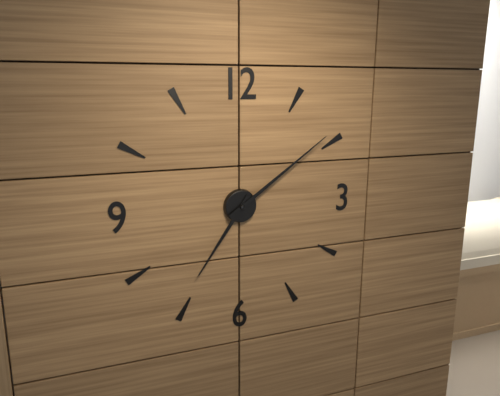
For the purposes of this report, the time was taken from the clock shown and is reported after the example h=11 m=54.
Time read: h=7 m=9
